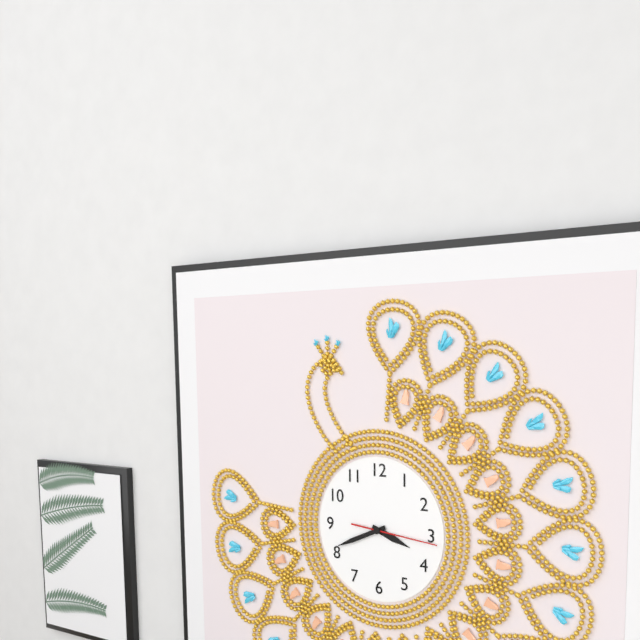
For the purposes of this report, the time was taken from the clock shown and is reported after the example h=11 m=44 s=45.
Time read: h=3 m=41 s=16
